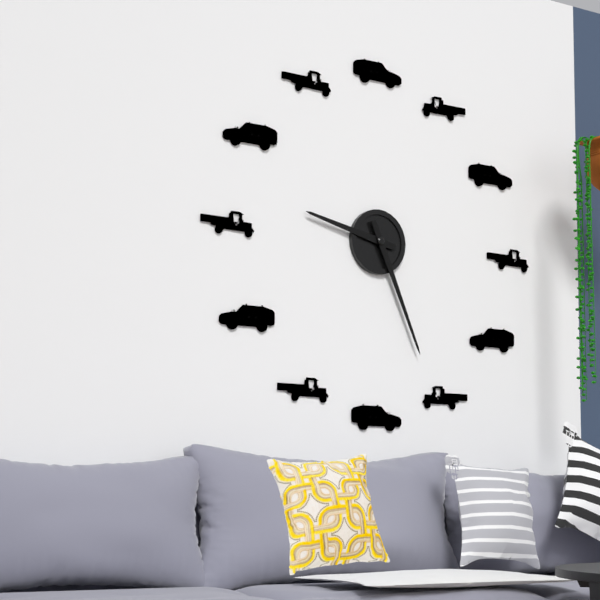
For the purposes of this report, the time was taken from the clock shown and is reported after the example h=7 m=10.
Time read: h=9 m=26
